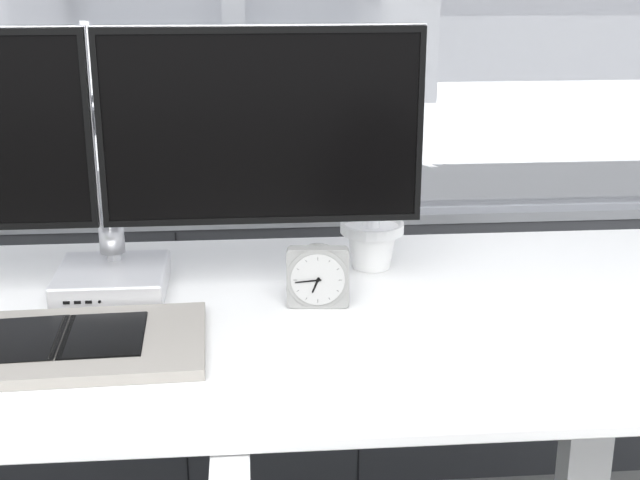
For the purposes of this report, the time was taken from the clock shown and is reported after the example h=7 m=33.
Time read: h=6 m=44
